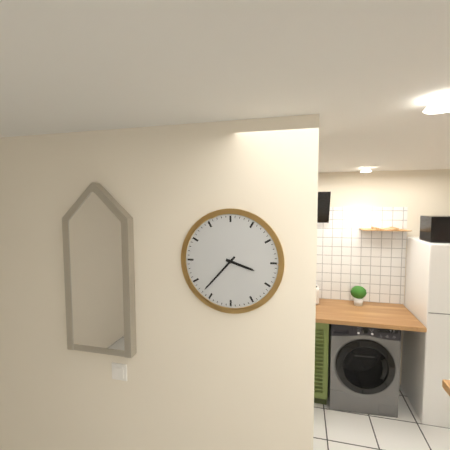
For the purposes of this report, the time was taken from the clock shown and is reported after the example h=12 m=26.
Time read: h=3 m=37
